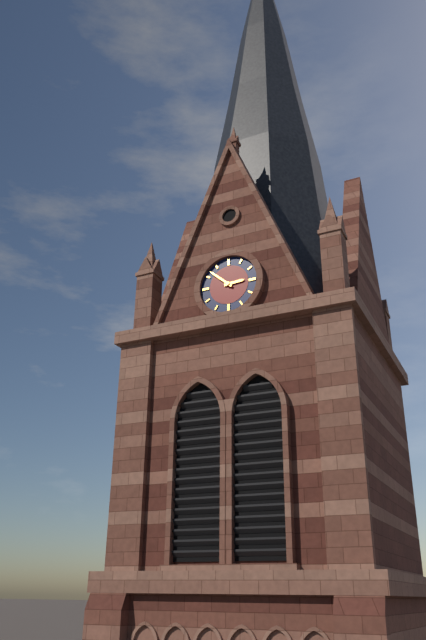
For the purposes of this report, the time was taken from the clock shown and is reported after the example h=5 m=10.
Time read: h=2 m=52
